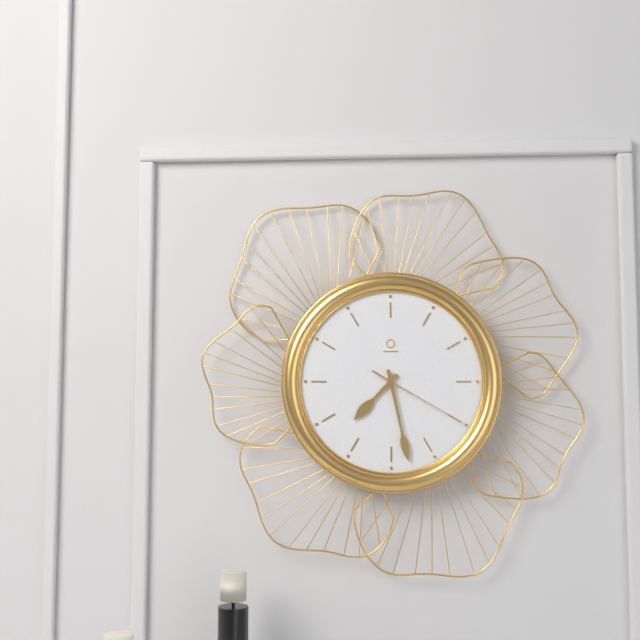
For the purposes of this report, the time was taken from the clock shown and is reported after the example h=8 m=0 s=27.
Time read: h=7 m=28 s=20
